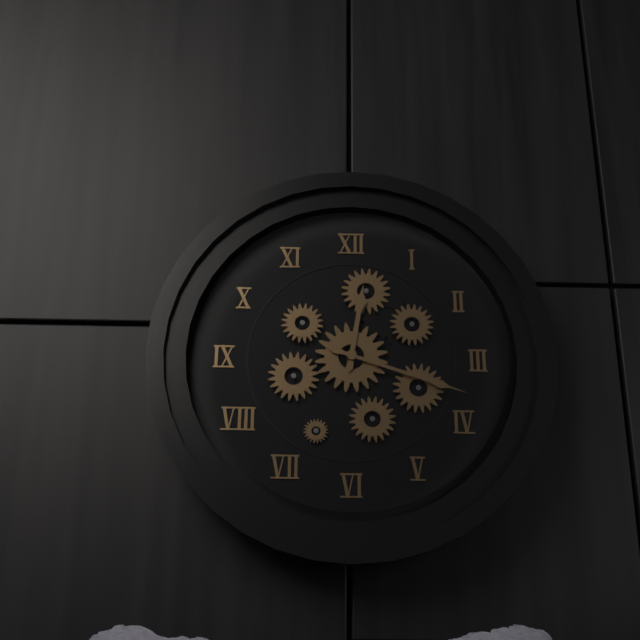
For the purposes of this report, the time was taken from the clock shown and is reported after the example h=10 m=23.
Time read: h=12 m=18
